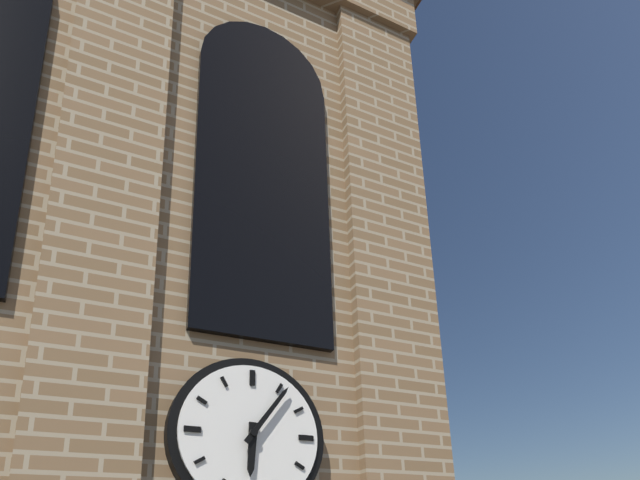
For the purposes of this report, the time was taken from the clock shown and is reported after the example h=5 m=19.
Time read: h=6 m=6
